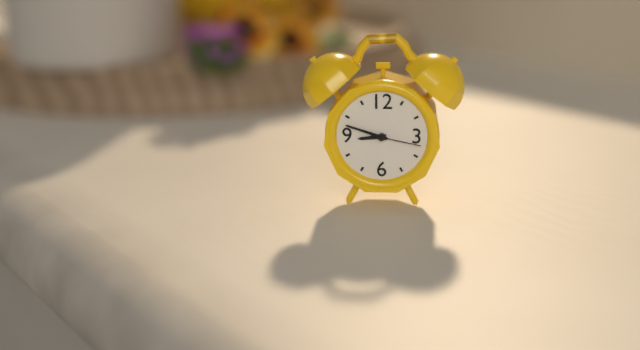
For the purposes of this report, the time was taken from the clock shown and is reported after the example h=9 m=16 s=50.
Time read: h=8 m=48 s=17
